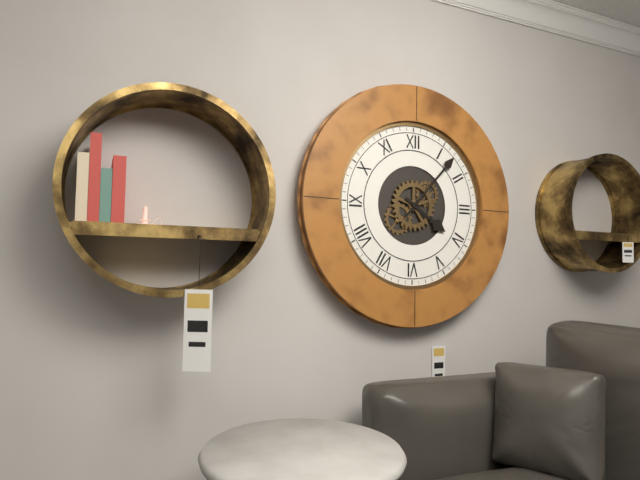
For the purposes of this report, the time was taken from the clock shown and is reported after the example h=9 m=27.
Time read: h=4 m=7
